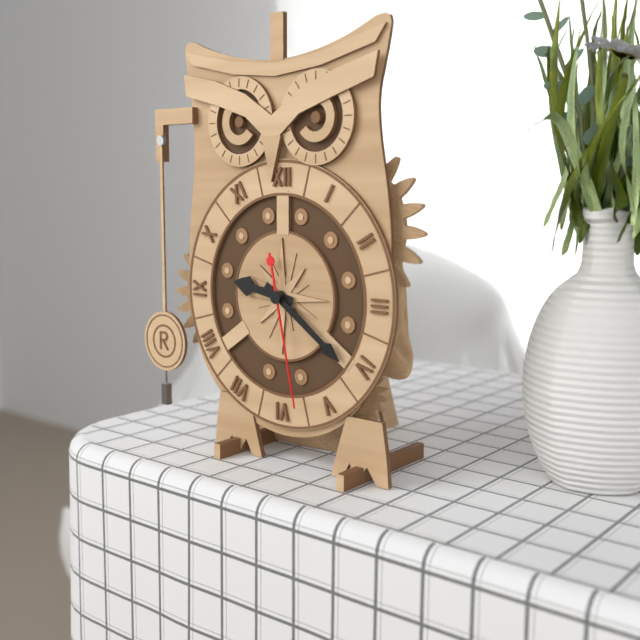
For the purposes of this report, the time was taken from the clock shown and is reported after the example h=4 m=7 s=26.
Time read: h=9 m=21 s=28
